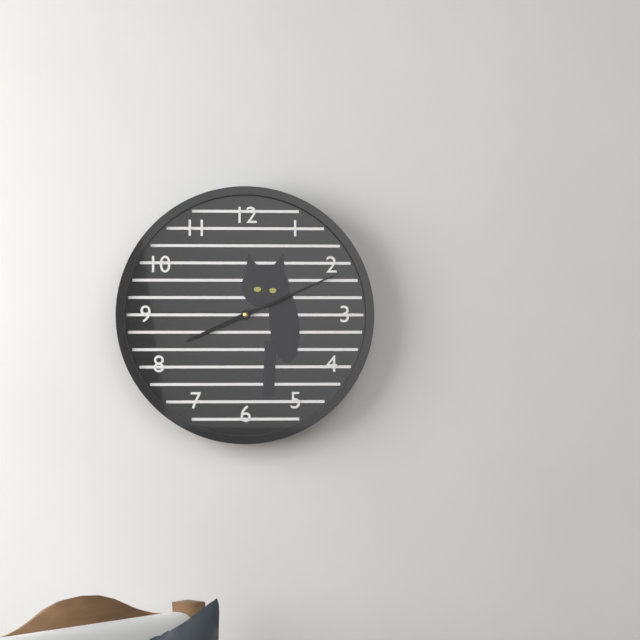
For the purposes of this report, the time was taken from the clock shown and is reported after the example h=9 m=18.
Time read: h=8 m=11
